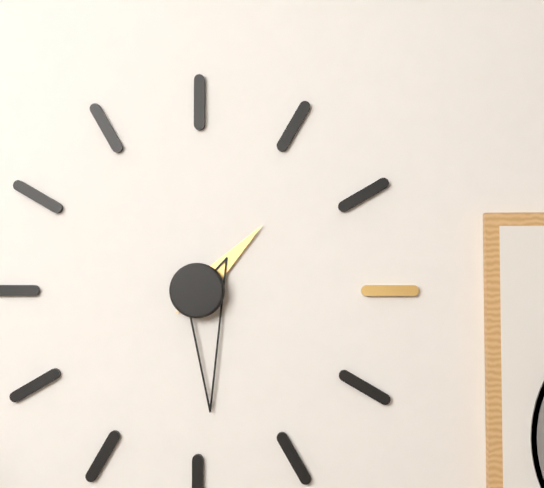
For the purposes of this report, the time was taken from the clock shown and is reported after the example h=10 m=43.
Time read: h=1 m=29
